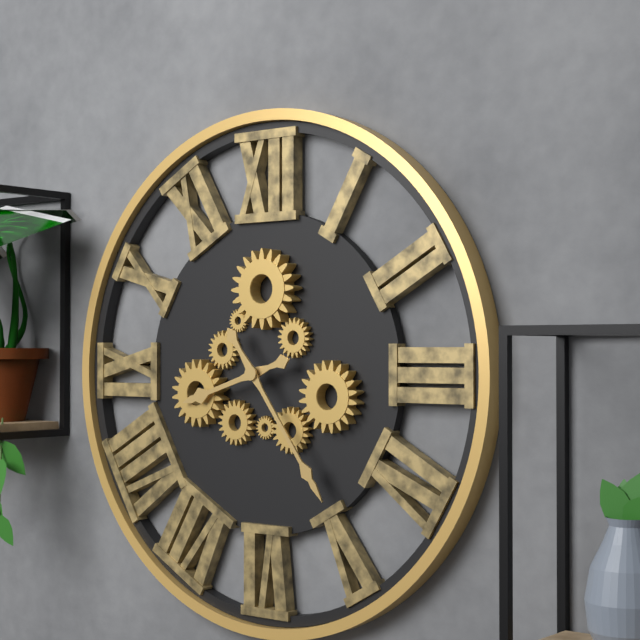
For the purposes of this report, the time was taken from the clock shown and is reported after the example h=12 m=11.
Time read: h=8 m=24
